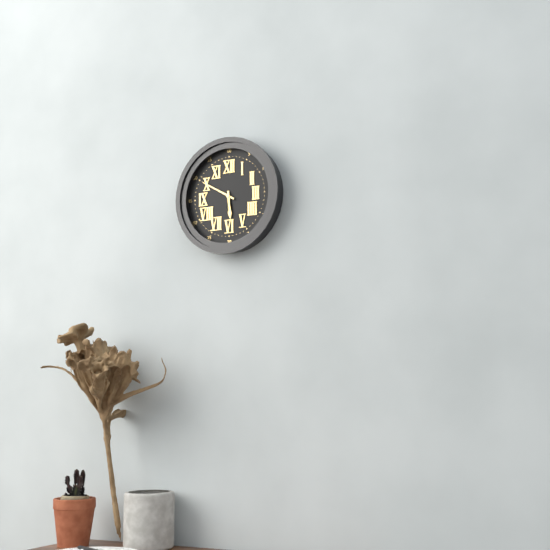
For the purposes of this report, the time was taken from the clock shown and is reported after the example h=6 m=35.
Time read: h=5 m=50
